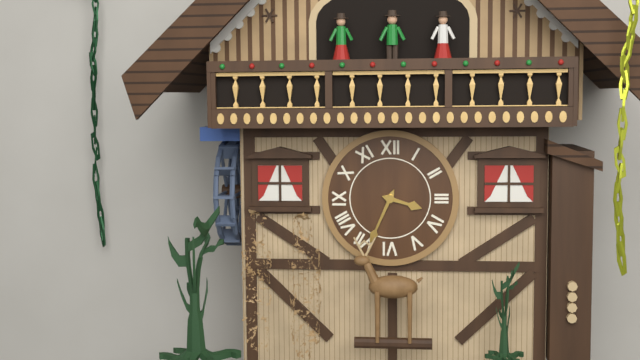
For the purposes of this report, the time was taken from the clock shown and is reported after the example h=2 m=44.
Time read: h=3 m=34
